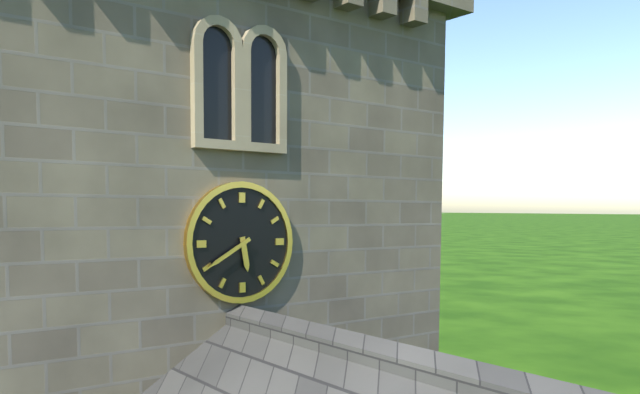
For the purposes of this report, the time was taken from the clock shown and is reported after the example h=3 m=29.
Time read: h=5 m=40
